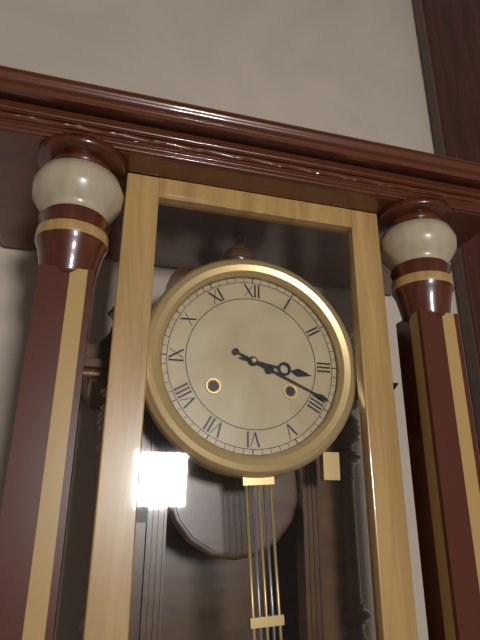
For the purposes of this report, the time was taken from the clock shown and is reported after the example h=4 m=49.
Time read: h=3 m=19
